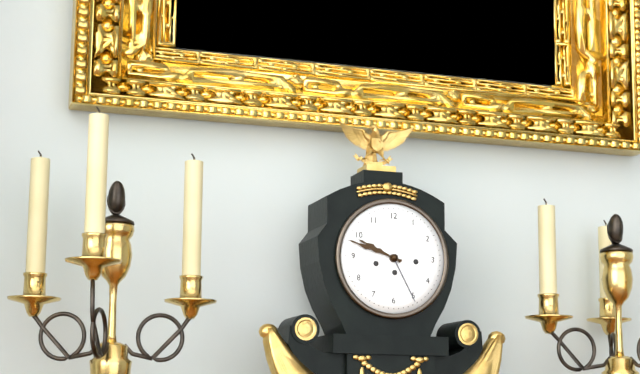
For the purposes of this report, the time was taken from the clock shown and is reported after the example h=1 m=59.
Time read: h=9 m=48
